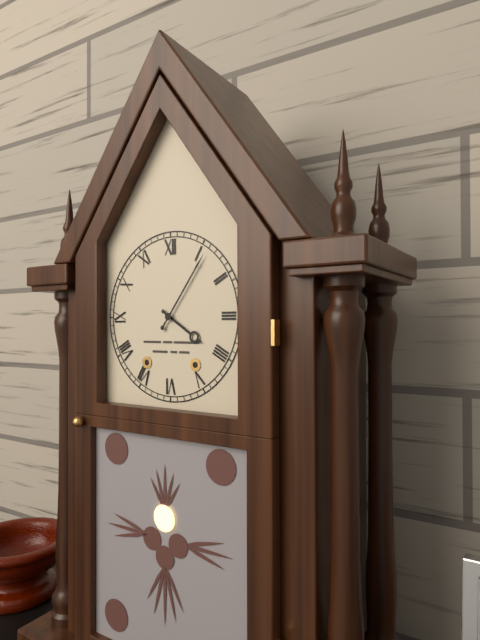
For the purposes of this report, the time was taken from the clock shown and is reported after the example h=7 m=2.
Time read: h=4 m=6
